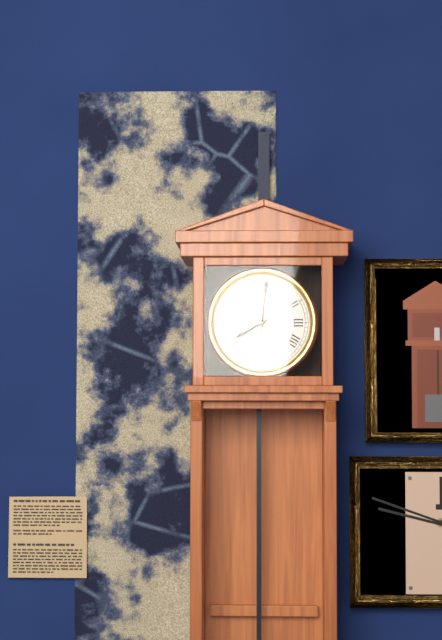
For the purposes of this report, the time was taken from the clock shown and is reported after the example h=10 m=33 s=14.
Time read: h=8 m=1 s=39
